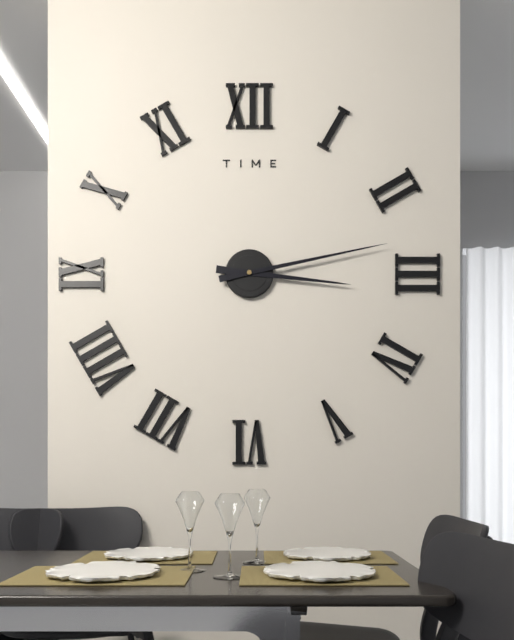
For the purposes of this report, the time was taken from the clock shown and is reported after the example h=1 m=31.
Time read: h=3 m=13
